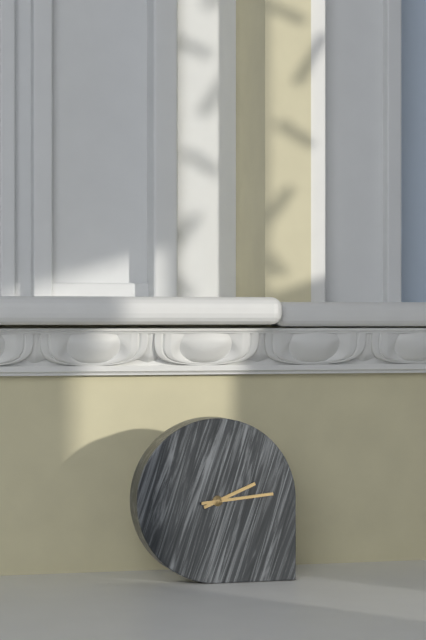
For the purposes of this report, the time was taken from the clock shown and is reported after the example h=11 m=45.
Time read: h=2 m=14
